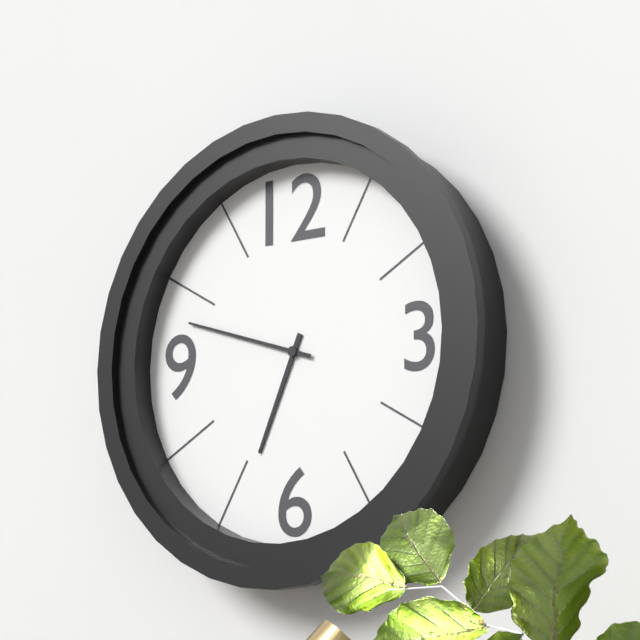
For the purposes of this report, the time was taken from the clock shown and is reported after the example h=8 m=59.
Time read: h=6 m=48
